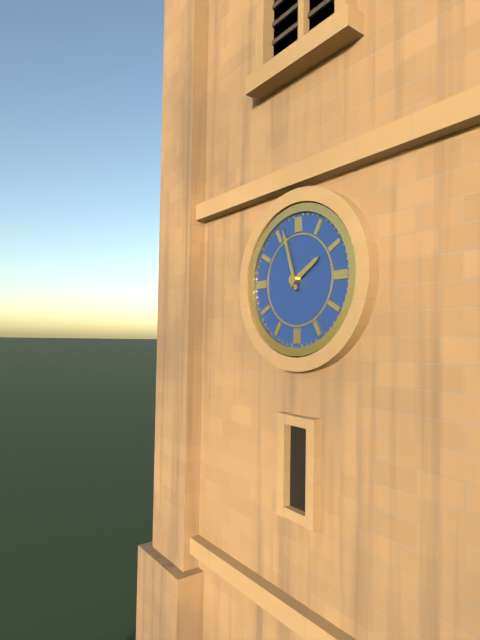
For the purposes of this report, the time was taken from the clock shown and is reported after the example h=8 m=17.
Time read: h=1 m=57
